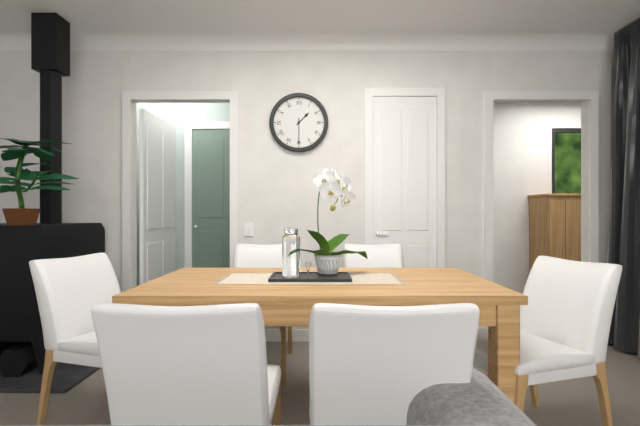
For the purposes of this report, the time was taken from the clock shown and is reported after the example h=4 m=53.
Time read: h=1 m=30
